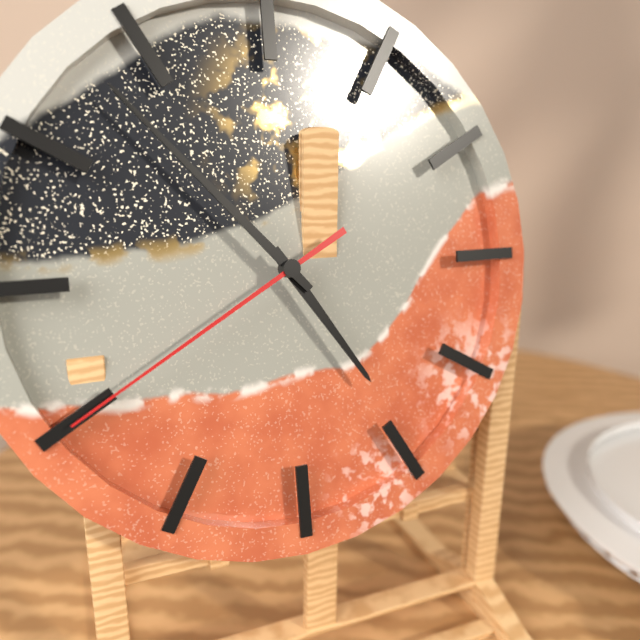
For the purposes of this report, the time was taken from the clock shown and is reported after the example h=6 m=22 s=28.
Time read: h=4 m=53 s=40
